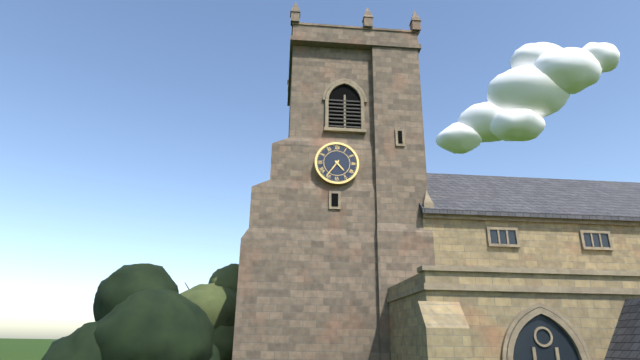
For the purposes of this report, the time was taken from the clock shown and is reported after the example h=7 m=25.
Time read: h=4 m=36
